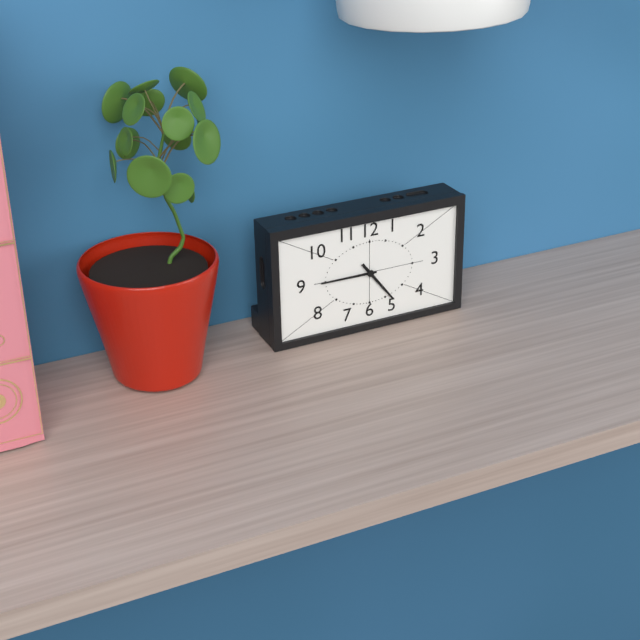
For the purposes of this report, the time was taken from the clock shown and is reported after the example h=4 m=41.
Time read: h=4 m=45
